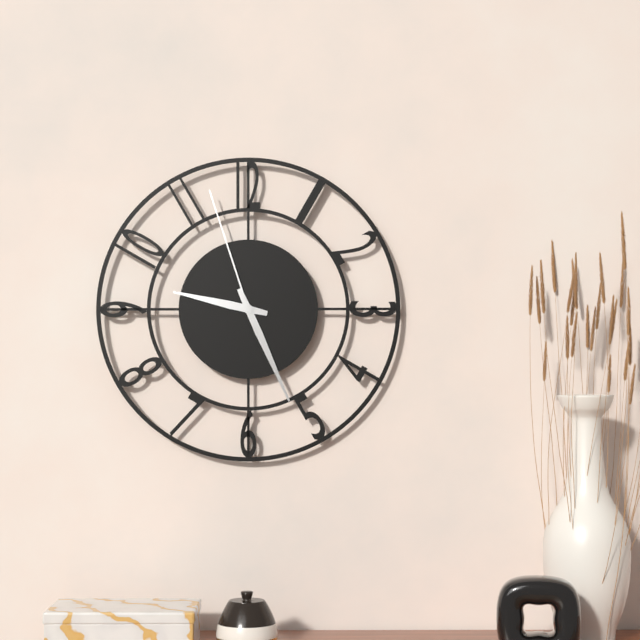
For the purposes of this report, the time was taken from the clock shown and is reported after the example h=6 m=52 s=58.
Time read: h=9 m=26 s=57
